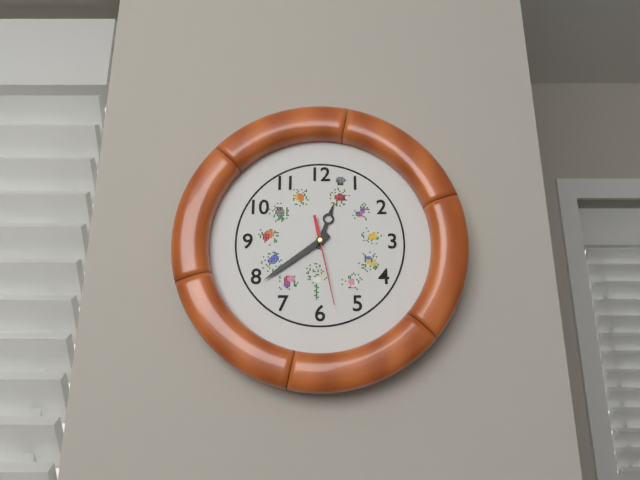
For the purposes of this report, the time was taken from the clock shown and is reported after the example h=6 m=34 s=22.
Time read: h=12 m=39 s=28
